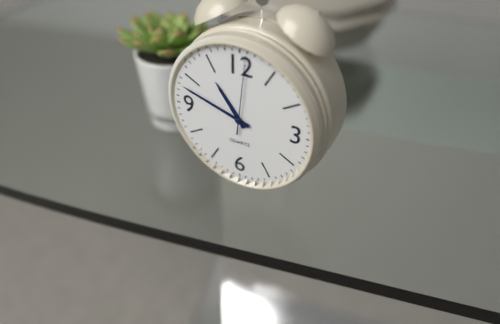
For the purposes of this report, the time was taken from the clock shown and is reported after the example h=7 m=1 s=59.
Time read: h=10 m=48 s=1
